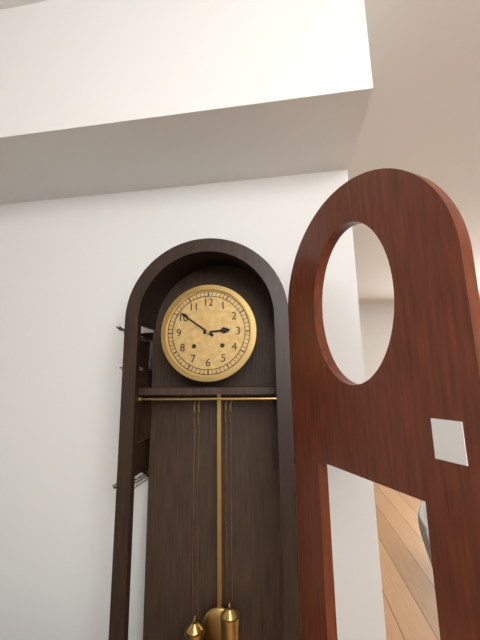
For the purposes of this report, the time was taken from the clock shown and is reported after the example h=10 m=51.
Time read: h=2 m=51
